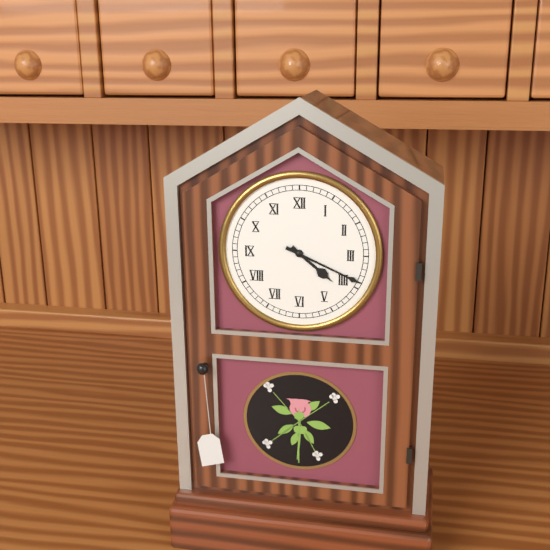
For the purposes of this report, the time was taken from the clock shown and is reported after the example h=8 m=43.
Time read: h=4 m=19
